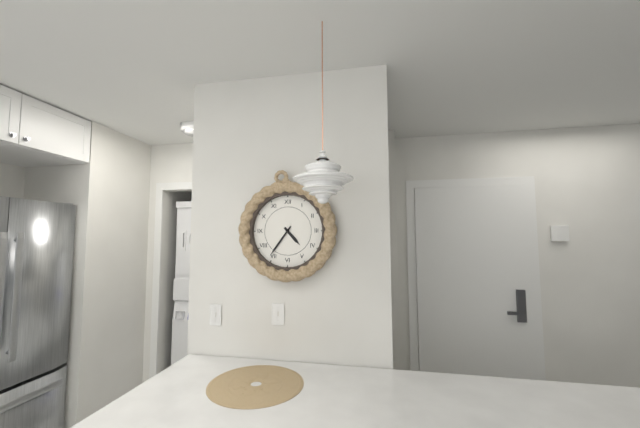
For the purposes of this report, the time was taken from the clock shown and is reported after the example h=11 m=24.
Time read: h=4 m=36
